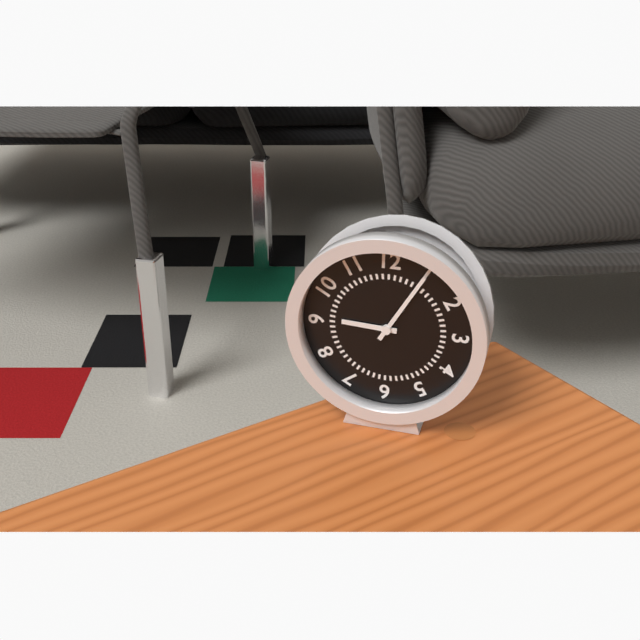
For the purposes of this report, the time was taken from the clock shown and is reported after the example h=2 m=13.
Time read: h=9 m=5
